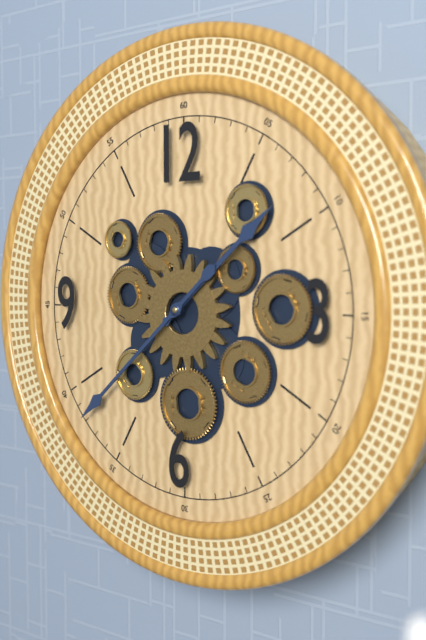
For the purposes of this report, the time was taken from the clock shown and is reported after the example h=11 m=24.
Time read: h=1 m=38
